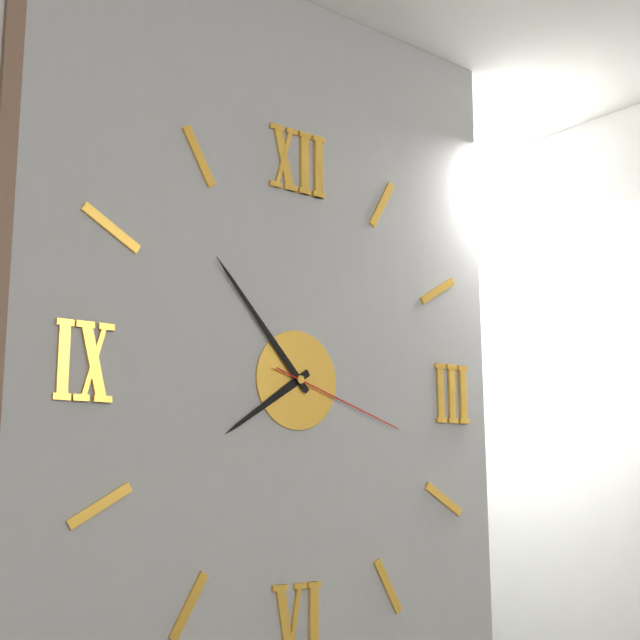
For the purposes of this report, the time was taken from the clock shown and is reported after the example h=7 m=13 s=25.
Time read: h=7 m=53 s=18
